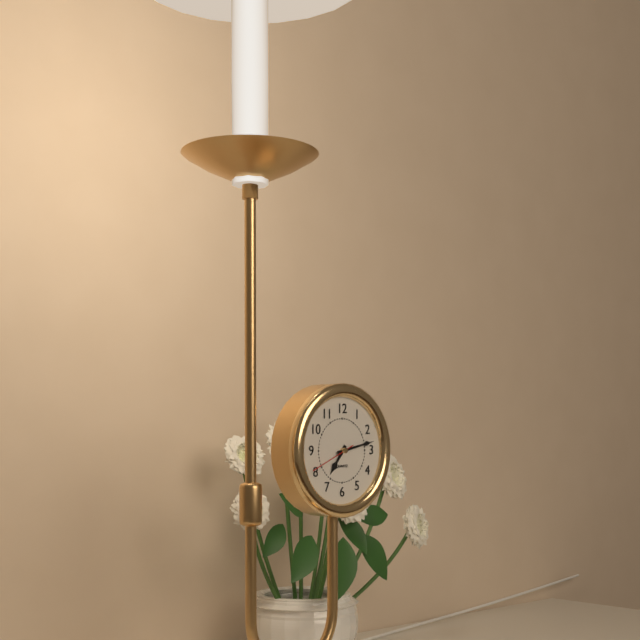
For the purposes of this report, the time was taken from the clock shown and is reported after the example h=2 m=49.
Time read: h=7 m=13
